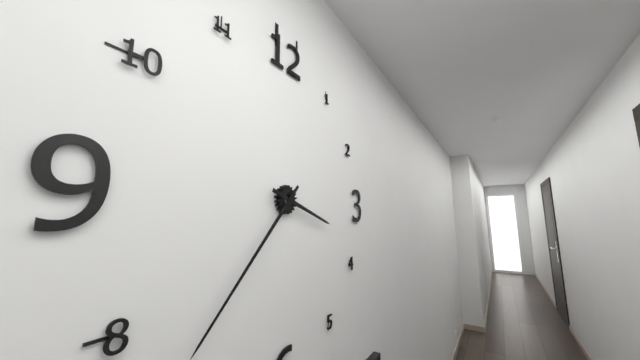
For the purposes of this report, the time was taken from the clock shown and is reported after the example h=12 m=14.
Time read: h=3 m=37
